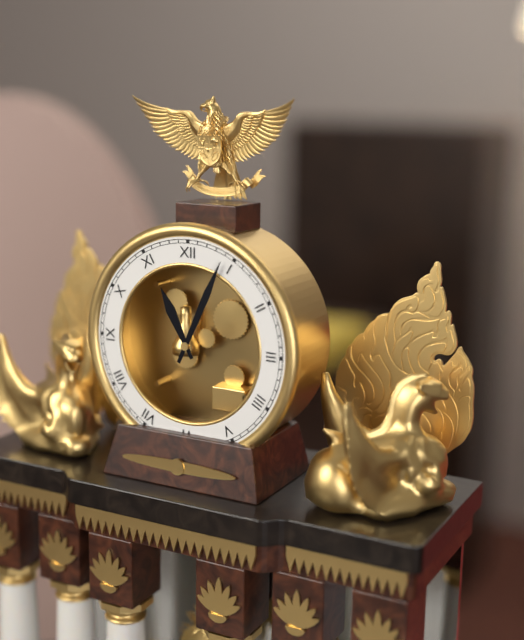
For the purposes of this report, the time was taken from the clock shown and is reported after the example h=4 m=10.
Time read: h=11 m=4
